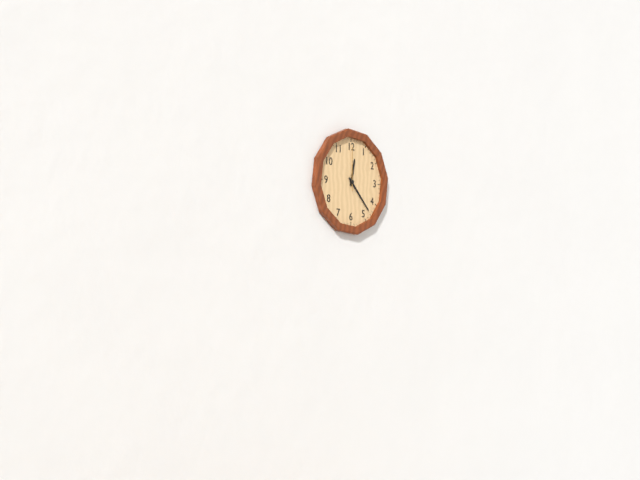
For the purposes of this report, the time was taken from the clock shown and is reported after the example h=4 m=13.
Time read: h=12 m=23
